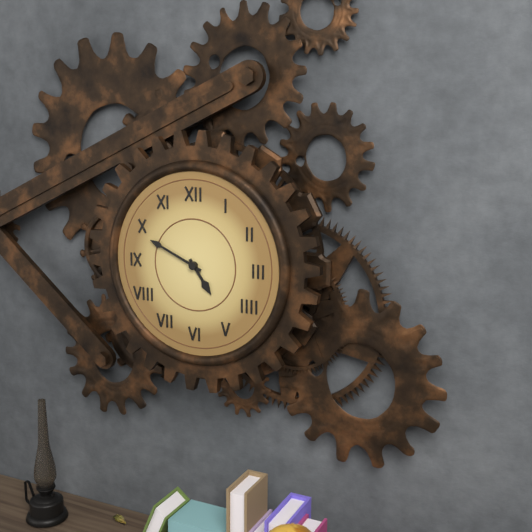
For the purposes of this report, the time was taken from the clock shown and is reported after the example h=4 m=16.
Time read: h=4 m=49
